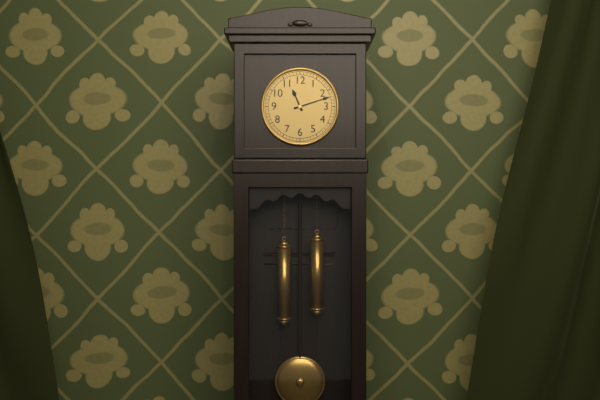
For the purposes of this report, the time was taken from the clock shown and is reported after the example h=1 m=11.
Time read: h=11 m=12
